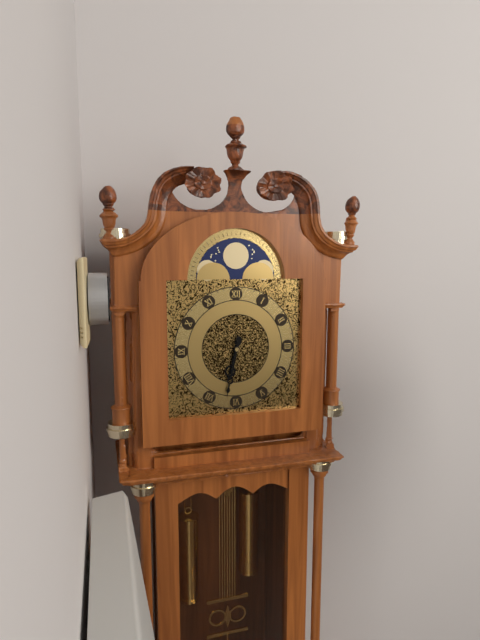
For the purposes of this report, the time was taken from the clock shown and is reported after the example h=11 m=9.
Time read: h=6 m=32
